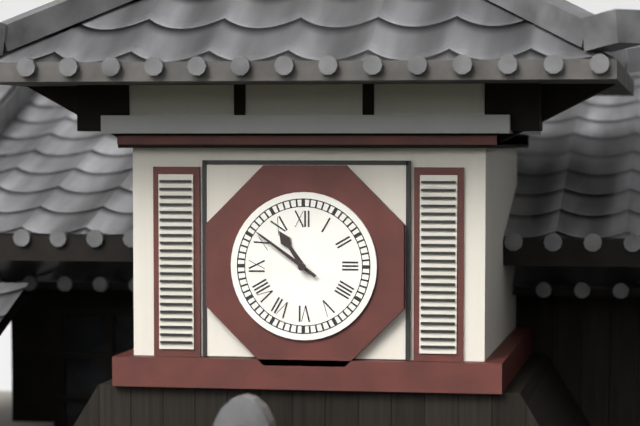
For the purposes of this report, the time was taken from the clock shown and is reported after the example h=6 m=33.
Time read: h=10 m=51
